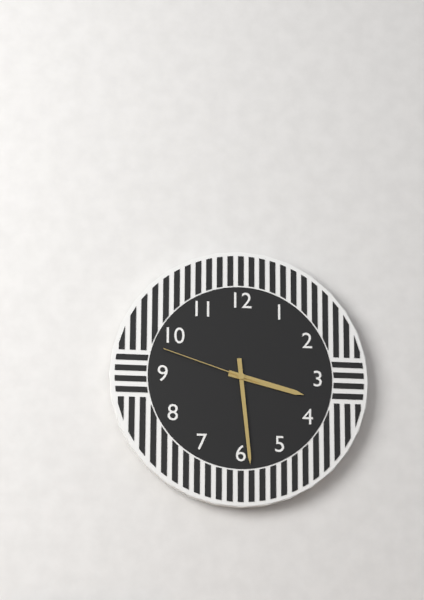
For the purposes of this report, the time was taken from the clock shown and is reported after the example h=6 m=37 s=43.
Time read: h=3 m=29 s=48
